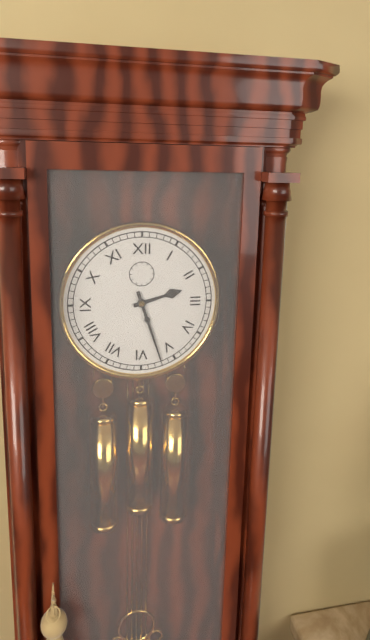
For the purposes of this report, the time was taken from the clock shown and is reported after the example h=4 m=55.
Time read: h=2 m=27
